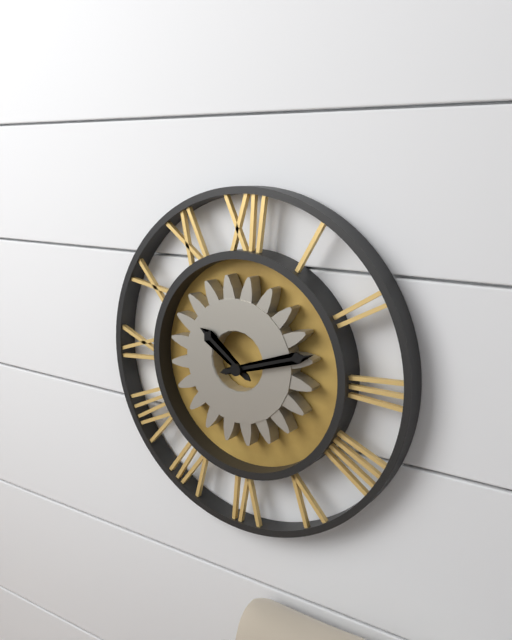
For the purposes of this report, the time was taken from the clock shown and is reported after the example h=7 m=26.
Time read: h=10 m=12
